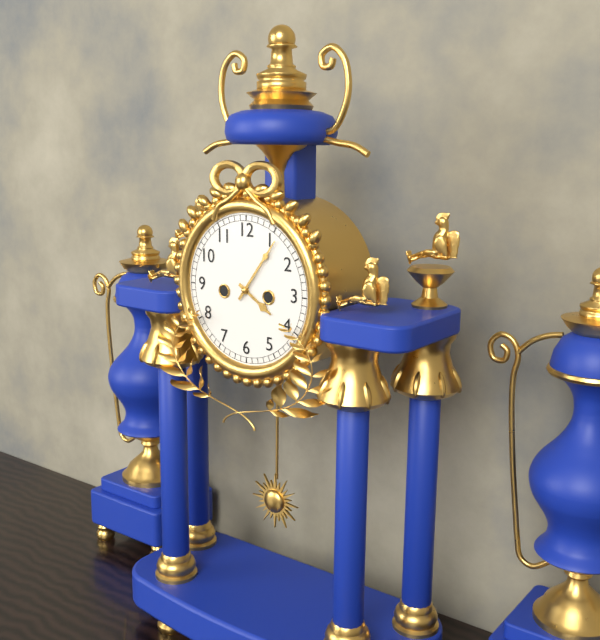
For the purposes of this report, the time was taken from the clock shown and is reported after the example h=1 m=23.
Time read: h=4 m=6
